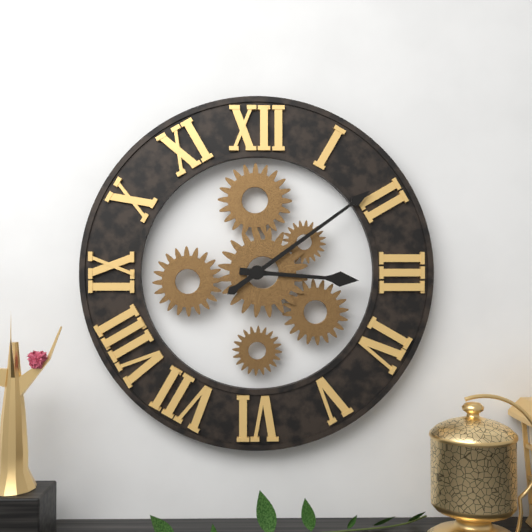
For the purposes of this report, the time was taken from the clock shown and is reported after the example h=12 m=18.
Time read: h=3 m=9
